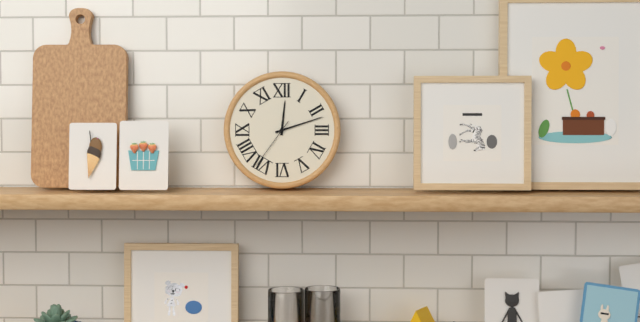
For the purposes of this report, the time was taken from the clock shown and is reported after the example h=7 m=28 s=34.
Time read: h=12 m=12 s=36
